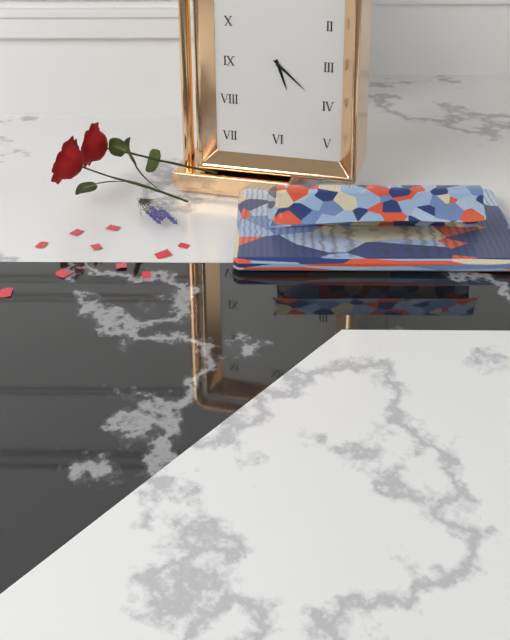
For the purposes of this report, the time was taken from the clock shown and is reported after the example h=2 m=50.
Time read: h=5 m=22
